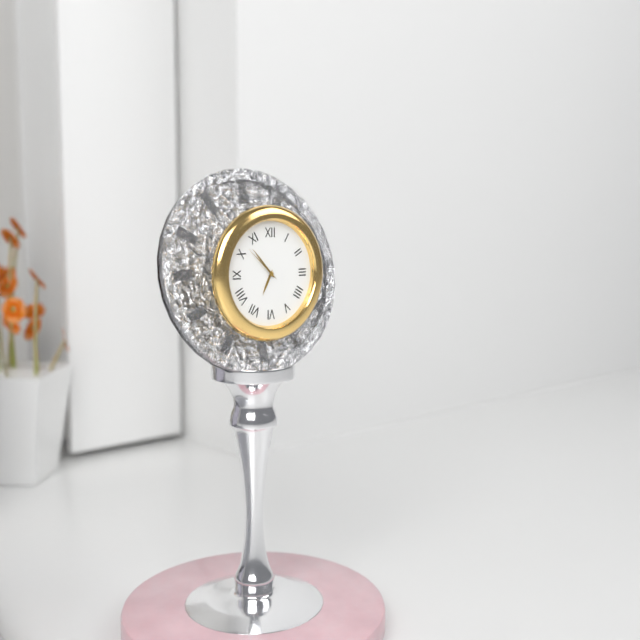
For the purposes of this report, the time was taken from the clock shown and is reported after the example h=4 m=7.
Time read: h=6 m=53
